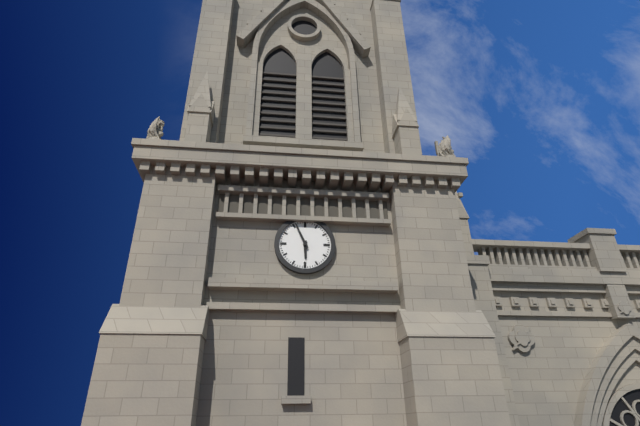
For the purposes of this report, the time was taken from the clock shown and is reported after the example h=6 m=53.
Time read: h=5 m=56
